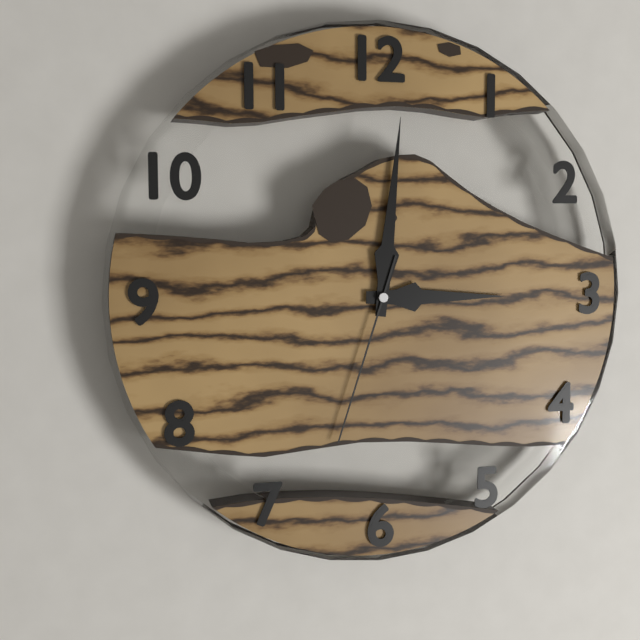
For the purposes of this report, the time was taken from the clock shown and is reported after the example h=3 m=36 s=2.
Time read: h=3 m=1 s=33
